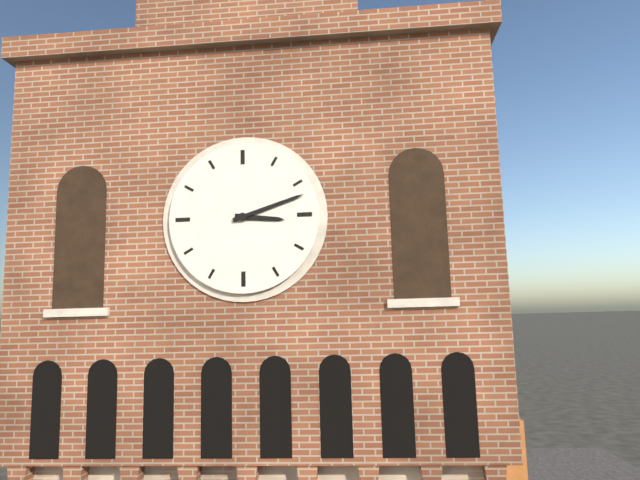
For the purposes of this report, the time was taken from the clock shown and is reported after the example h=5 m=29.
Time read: h=3 m=12
